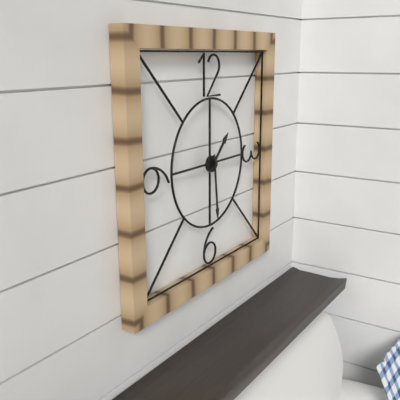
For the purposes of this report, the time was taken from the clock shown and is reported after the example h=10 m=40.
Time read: h=1 m=29
